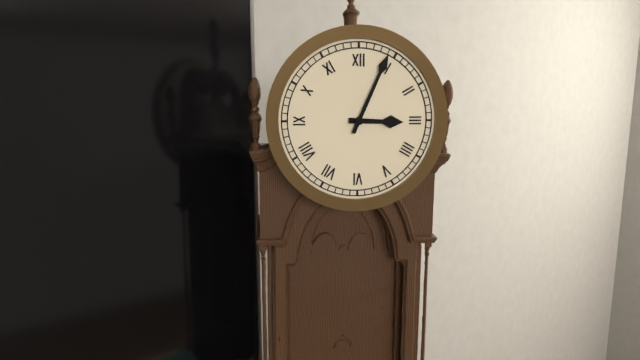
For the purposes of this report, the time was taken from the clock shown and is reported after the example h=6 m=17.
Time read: h=3 m=4
